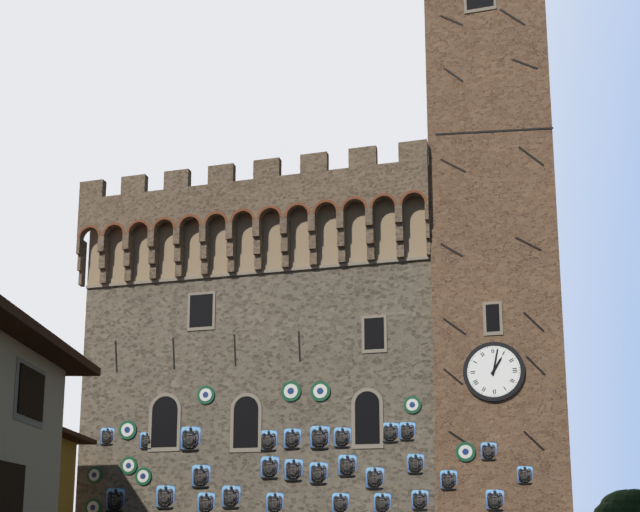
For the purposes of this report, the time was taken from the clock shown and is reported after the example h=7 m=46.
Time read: h=1 m=2
